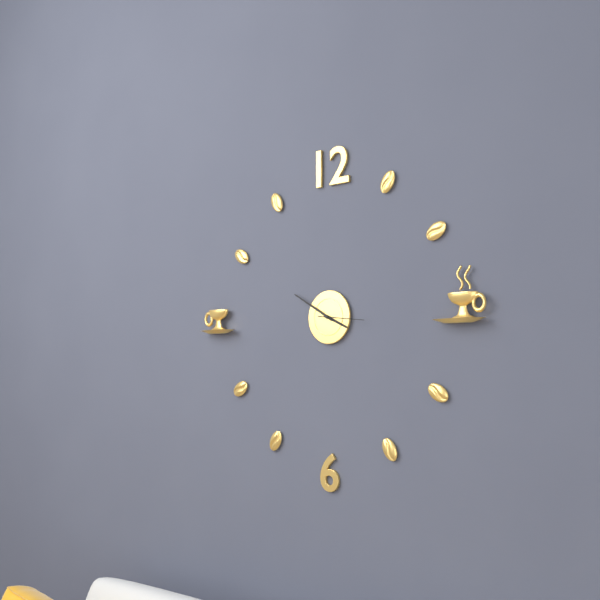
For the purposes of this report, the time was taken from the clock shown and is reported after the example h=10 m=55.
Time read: h=3 m=50
